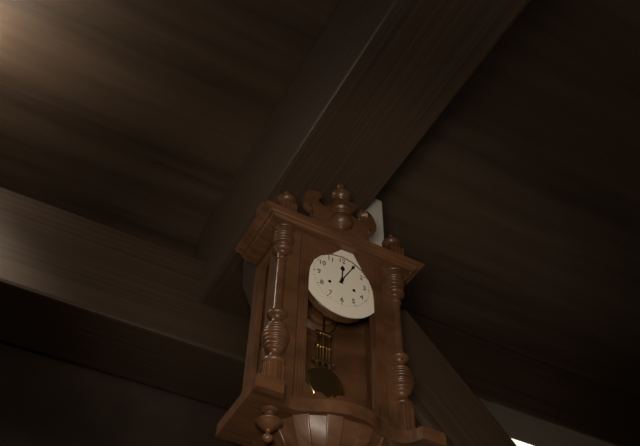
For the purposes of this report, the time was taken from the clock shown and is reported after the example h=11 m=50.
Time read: h=12 m=5
